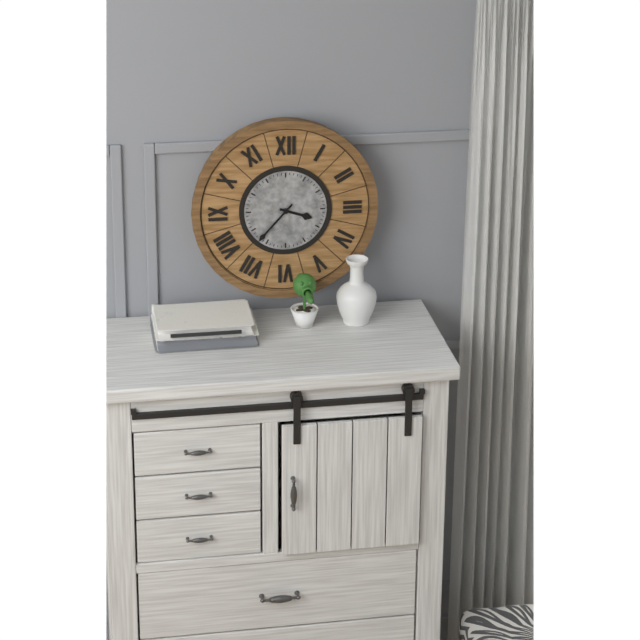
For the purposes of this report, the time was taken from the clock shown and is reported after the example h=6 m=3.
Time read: h=3 m=37
